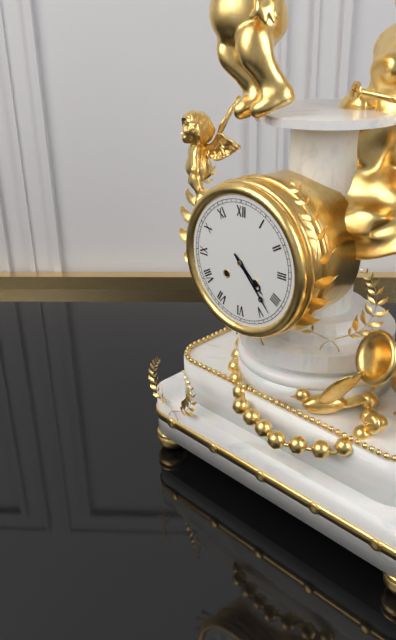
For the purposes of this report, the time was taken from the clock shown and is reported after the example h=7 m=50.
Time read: h=4 m=23
